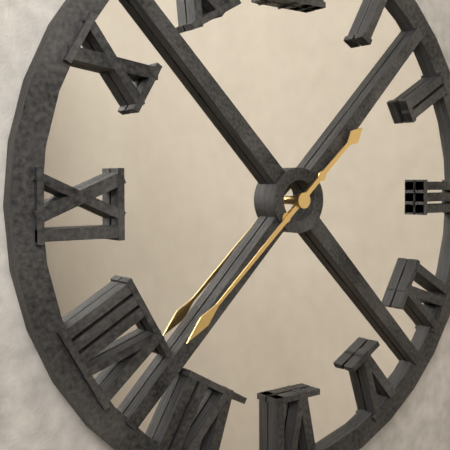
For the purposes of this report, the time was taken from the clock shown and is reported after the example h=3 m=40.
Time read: h=1 m=38
